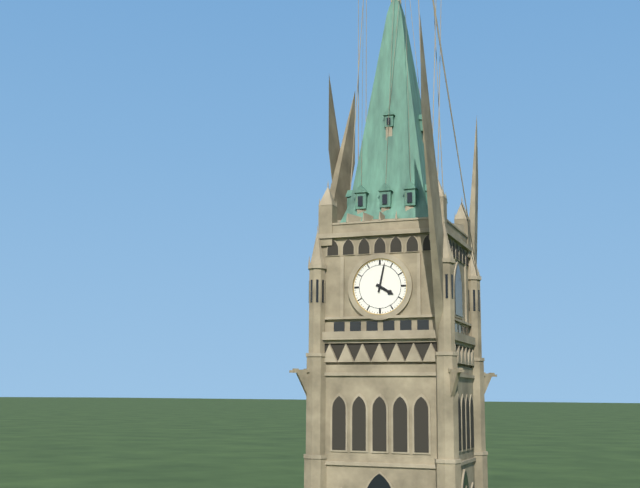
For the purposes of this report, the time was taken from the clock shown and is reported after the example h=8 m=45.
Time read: h=4 m=2
